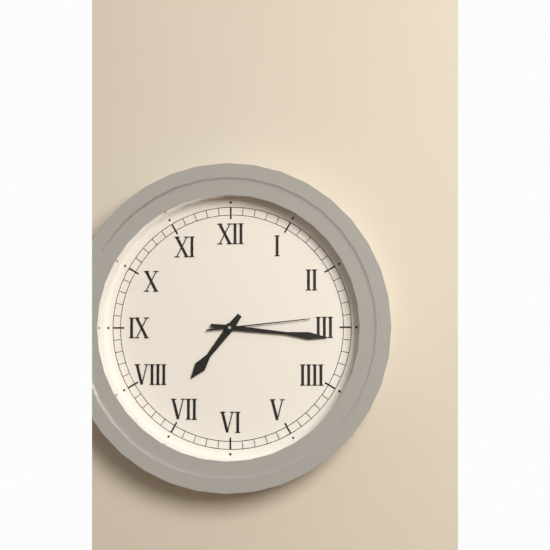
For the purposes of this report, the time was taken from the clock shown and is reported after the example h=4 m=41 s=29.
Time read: h=7 m=16 s=14
